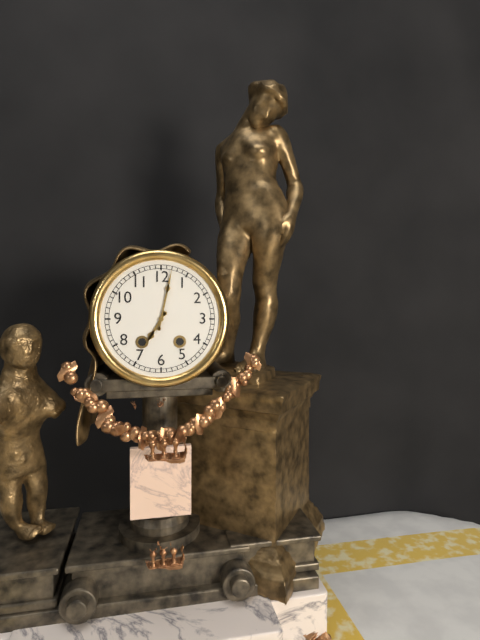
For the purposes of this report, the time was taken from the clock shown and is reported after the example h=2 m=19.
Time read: h=7 m=2
